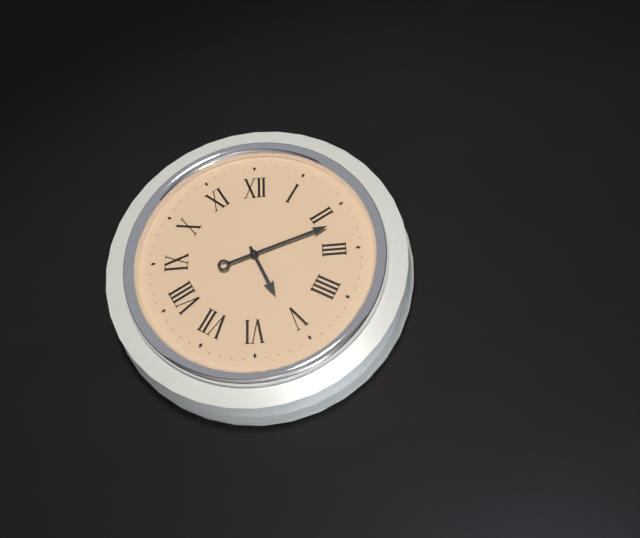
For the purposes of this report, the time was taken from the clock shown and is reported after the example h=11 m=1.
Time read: h=5 m=12
